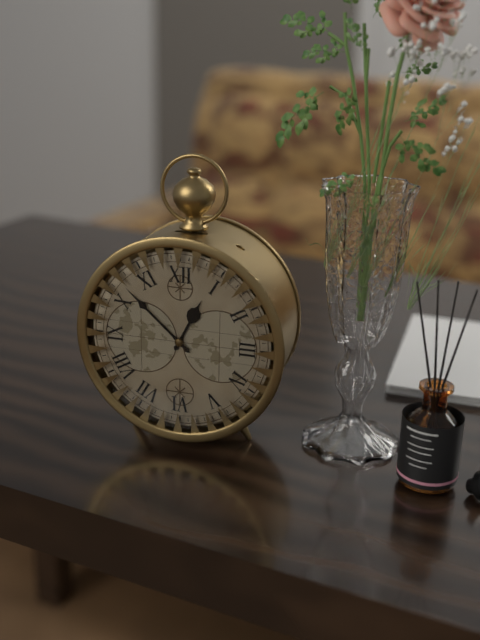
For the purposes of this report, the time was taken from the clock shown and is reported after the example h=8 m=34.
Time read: h=12 m=52
